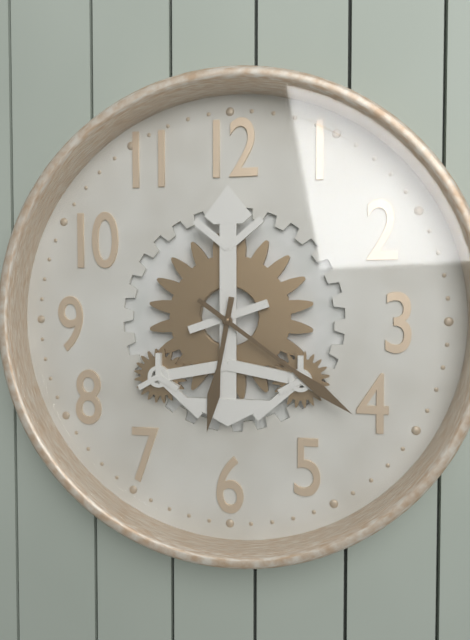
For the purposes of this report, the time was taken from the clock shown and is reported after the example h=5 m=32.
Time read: h=6 m=21
